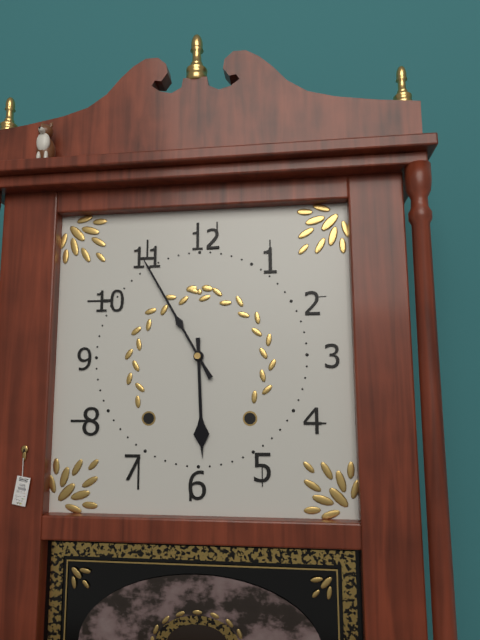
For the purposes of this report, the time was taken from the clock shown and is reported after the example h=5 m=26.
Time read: h=5 m=55
